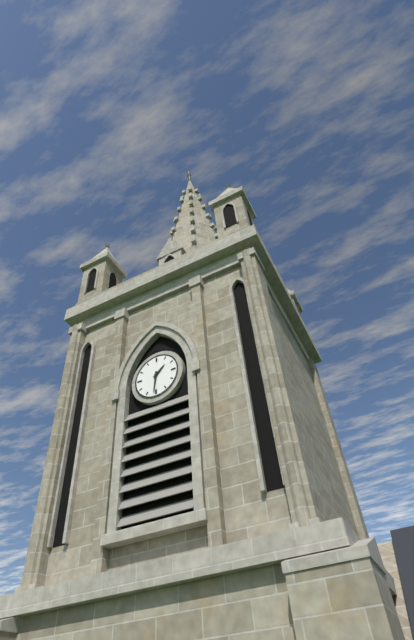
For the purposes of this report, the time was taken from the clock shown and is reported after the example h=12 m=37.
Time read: h=1 m=31
